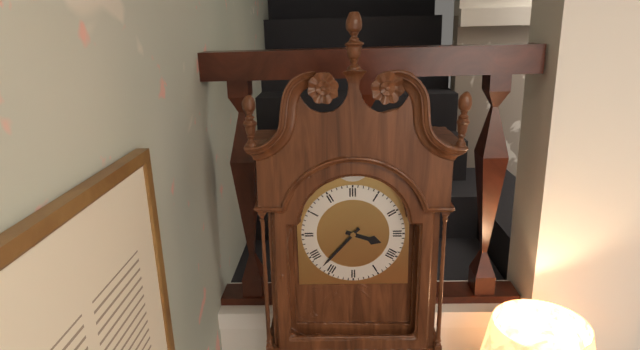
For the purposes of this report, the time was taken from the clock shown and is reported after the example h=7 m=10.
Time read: h=3 m=37
